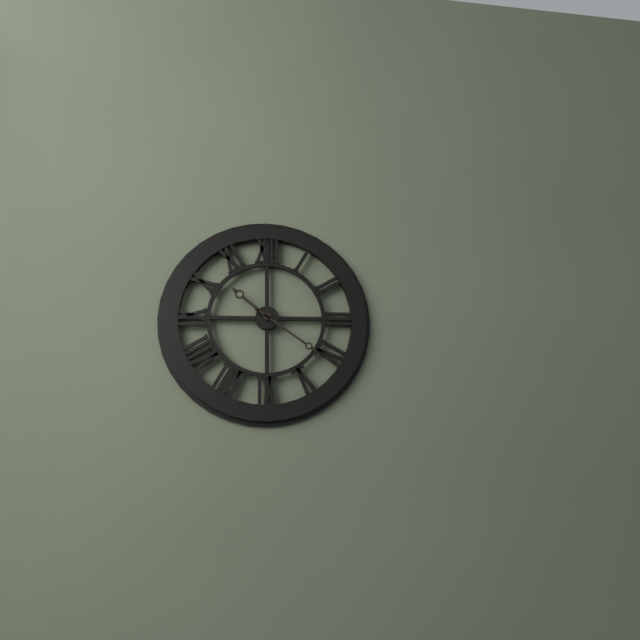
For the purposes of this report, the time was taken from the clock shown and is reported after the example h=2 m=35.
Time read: h=10 m=21
